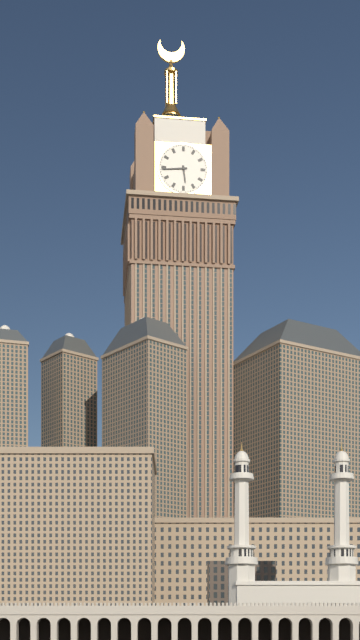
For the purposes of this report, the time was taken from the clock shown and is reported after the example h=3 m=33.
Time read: h=5 m=44
